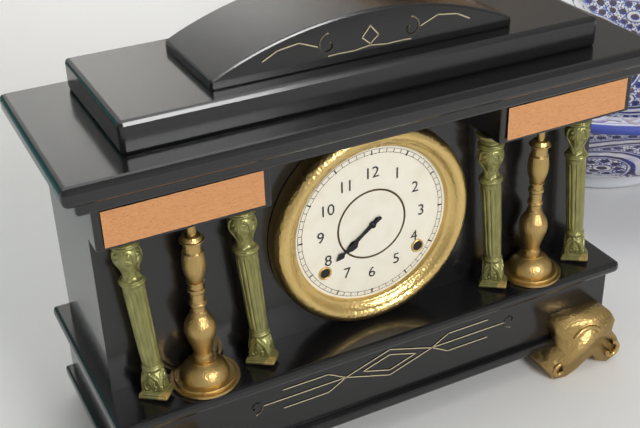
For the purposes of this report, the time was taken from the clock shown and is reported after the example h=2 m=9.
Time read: h=7 m=39
